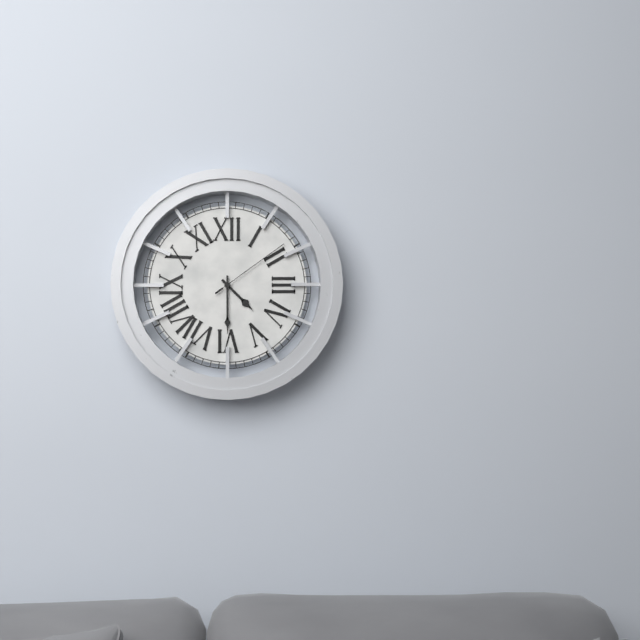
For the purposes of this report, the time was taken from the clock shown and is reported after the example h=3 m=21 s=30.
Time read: h=4 m=30 s=9
